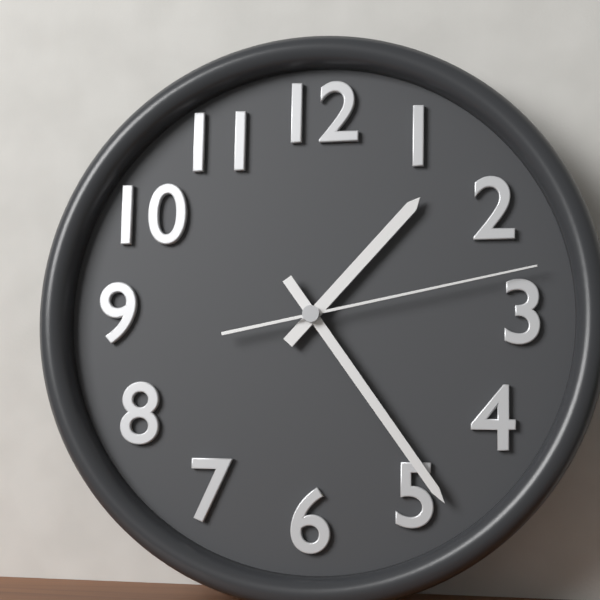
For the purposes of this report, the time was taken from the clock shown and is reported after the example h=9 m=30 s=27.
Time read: h=1 m=24 s=13
